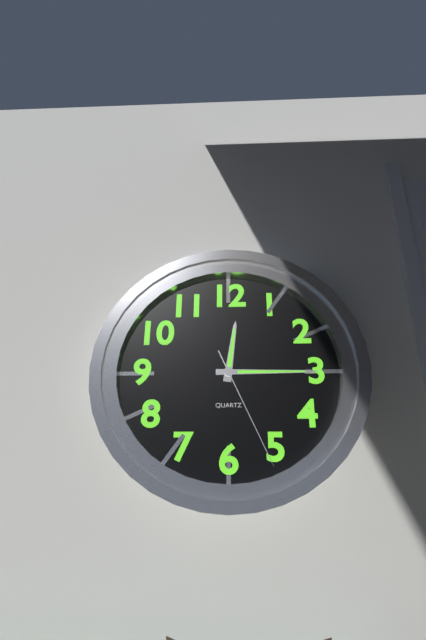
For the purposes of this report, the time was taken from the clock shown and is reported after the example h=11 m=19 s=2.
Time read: h=12 m=15 s=26
